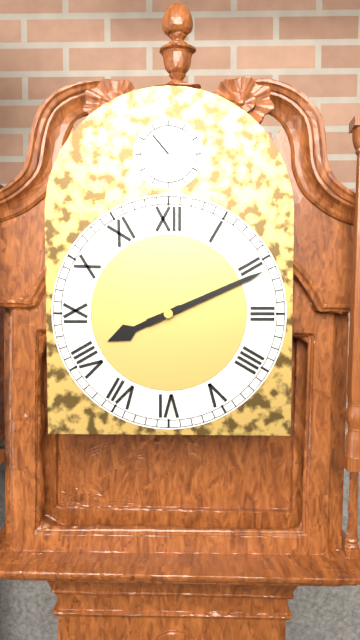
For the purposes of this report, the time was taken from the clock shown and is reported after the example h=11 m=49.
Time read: h=8 m=11
